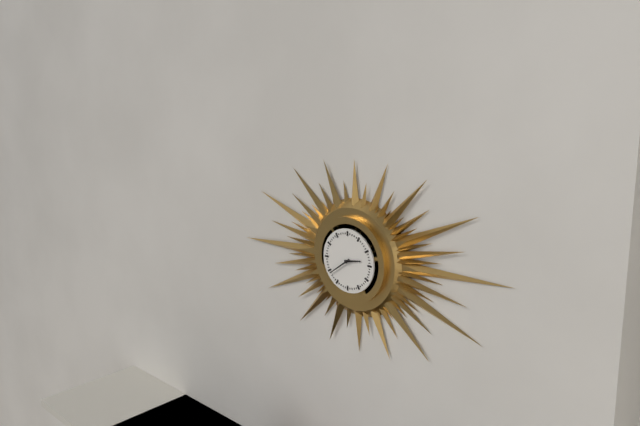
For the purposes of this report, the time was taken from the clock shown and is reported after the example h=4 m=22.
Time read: h=2 m=39
